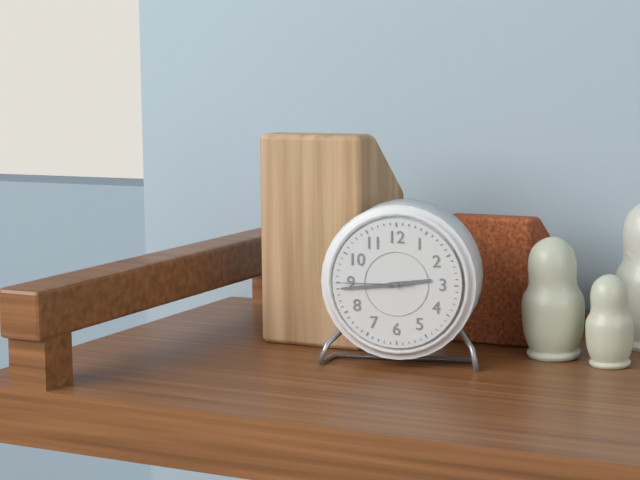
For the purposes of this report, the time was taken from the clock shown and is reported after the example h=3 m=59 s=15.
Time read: h=2 m=44 s=45
